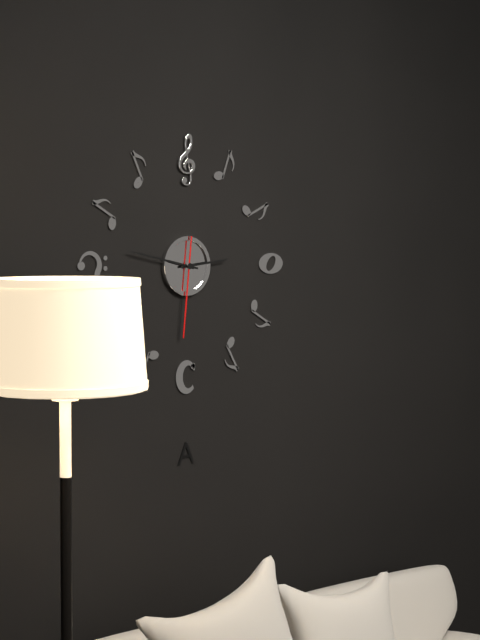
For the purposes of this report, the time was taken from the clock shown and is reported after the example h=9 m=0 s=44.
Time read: h=2 m=47 s=31
